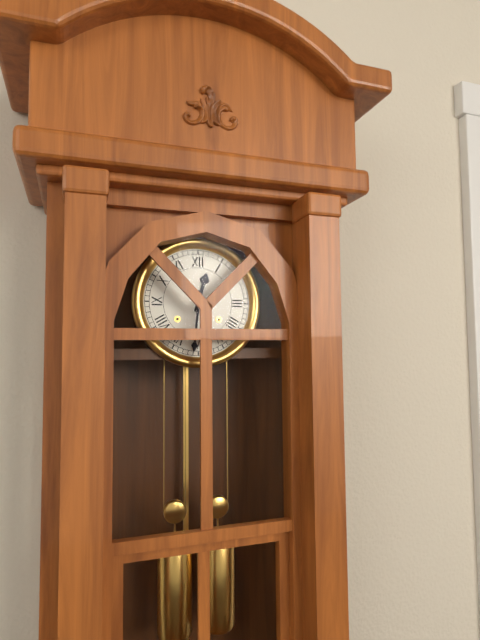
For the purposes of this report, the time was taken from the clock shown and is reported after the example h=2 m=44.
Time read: h=12 m=31
